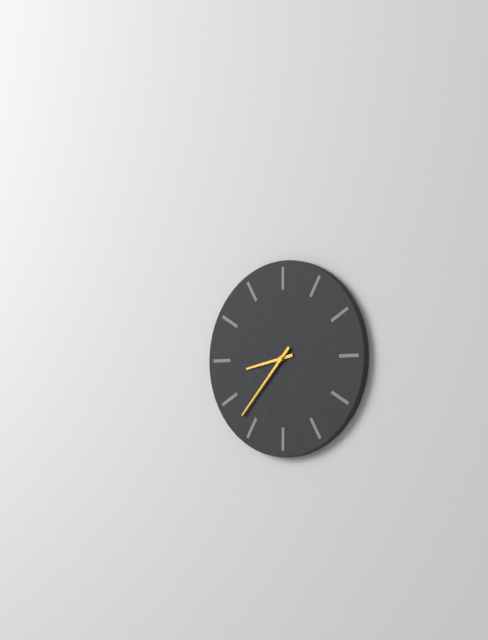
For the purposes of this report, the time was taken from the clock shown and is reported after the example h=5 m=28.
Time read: h=8 m=37
